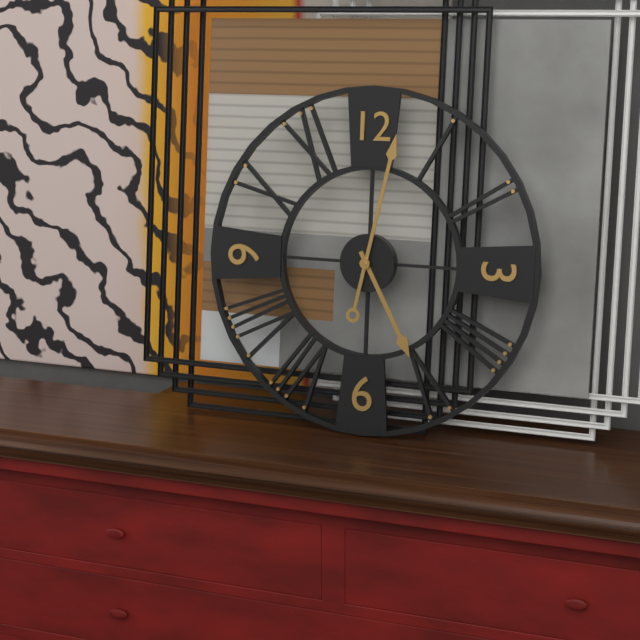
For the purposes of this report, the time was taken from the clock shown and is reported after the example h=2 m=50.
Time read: h=5 m=2
